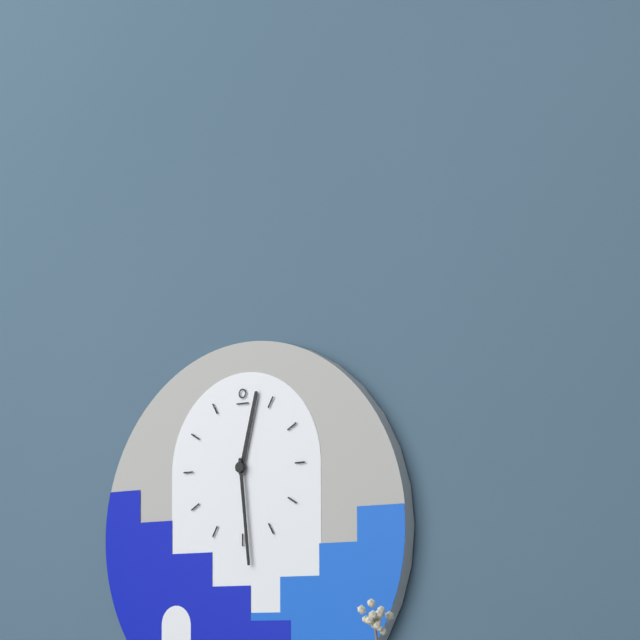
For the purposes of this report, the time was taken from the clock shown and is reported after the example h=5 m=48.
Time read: h=12 m=29
